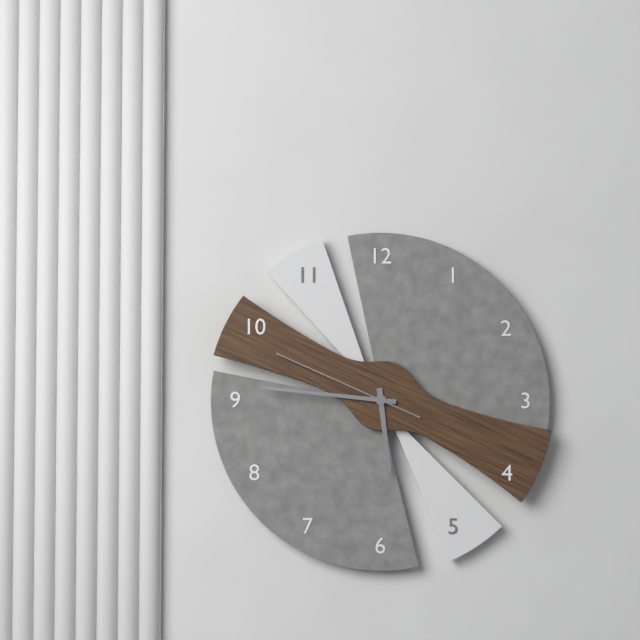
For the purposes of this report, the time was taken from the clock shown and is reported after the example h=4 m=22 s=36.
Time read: h=5 m=46 s=49
